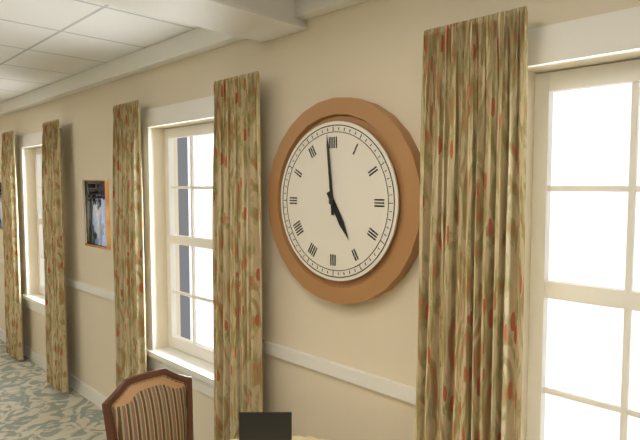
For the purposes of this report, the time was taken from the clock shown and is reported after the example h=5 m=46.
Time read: h=4 m=59
